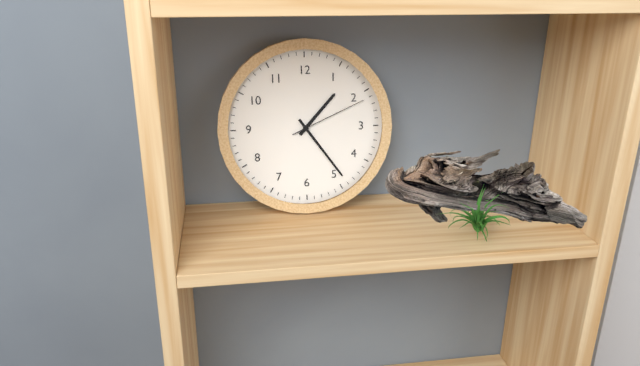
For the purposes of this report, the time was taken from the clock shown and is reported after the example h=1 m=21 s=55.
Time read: h=1 m=24 s=11
